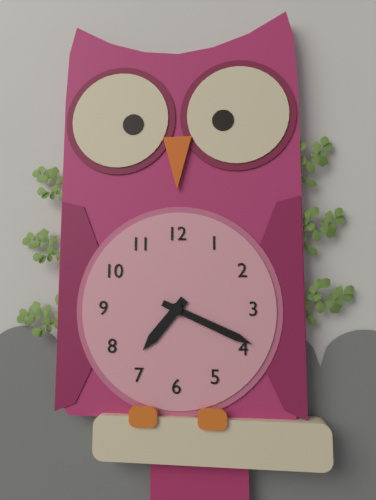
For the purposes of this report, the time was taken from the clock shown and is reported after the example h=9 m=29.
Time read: h=7 m=19
